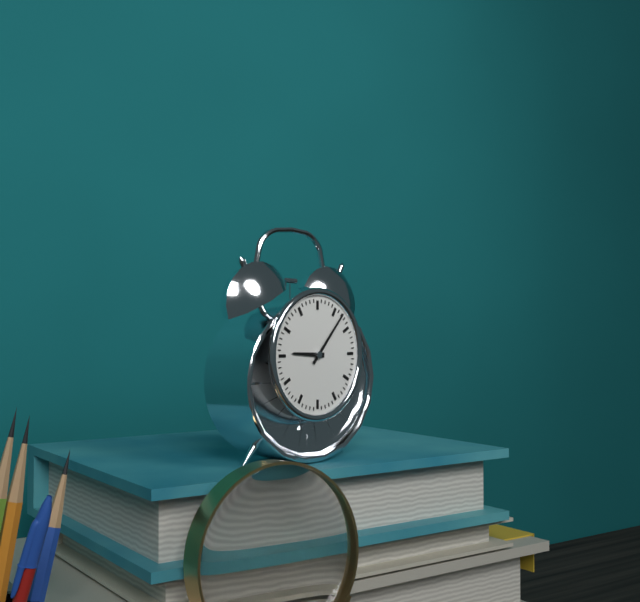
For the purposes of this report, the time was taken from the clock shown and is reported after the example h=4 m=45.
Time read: h=9 m=7
